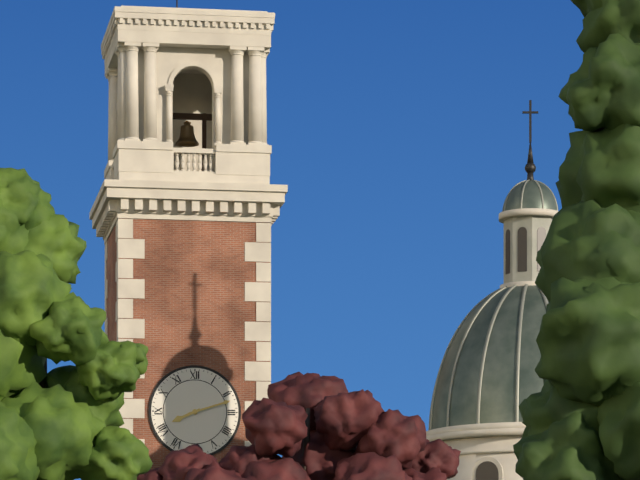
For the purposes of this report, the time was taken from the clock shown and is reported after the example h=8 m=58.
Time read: h=8 m=12
